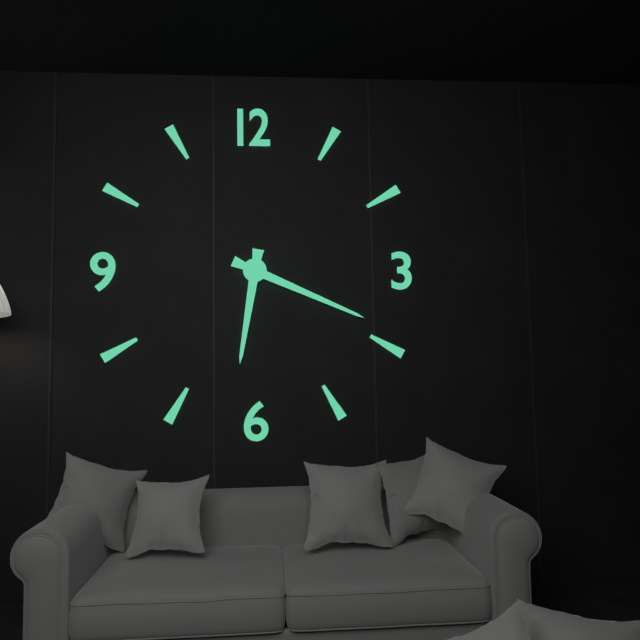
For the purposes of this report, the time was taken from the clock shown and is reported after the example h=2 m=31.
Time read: h=6 m=19
